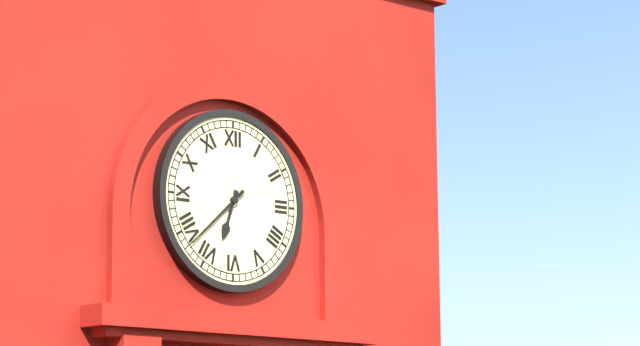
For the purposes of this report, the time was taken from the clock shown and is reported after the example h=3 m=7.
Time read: h=6 m=38
